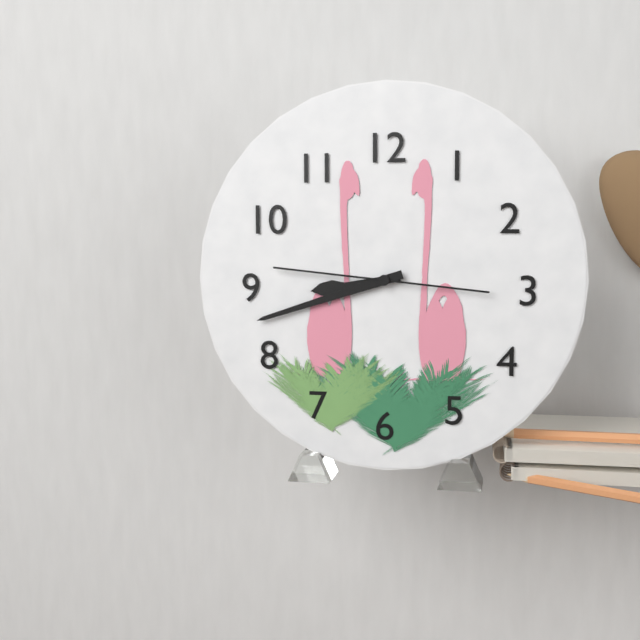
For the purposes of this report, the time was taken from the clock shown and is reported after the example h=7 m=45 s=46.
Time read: h=8 m=42 s=46
